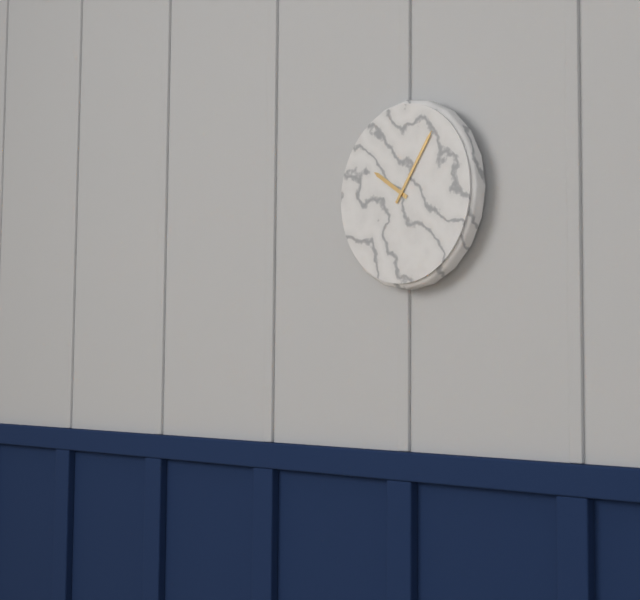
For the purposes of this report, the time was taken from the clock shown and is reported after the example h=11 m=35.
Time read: h=10 m=6
